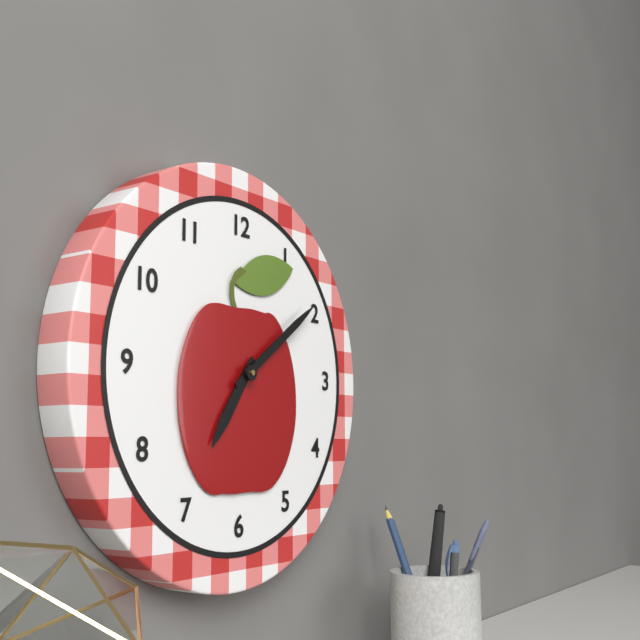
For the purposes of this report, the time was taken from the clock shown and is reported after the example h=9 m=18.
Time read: h=7 m=9
